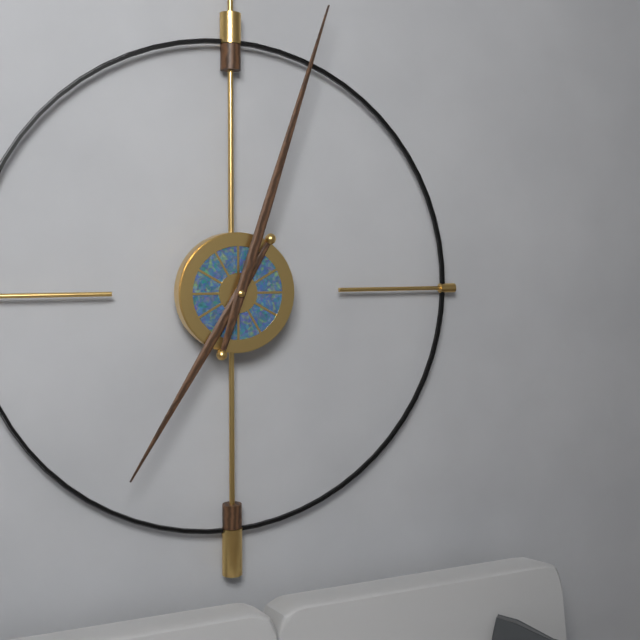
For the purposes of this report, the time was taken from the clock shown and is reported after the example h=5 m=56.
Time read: h=7 m=3
